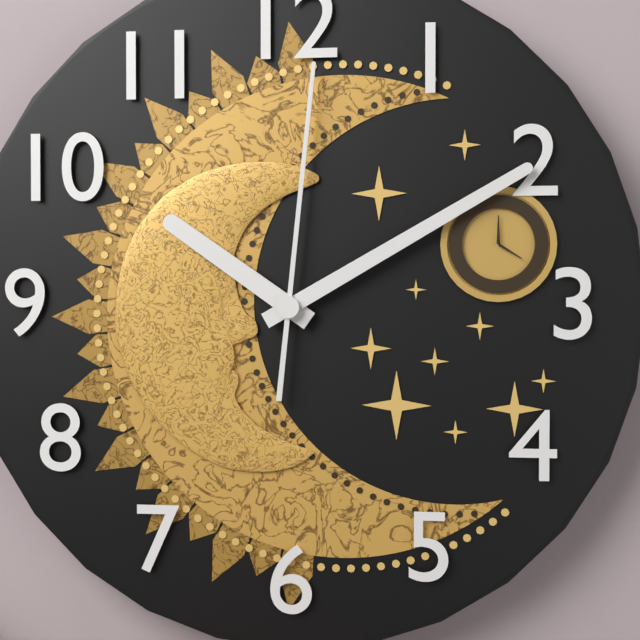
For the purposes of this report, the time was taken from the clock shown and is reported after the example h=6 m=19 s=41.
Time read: h=10 m=10 s=1
